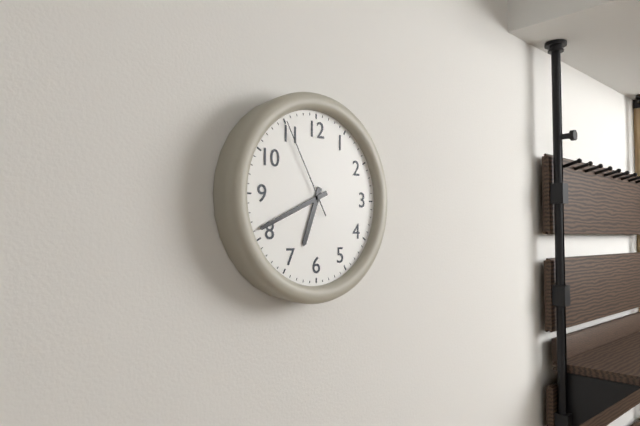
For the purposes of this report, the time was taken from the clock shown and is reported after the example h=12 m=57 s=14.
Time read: h=6 m=41 s=55
